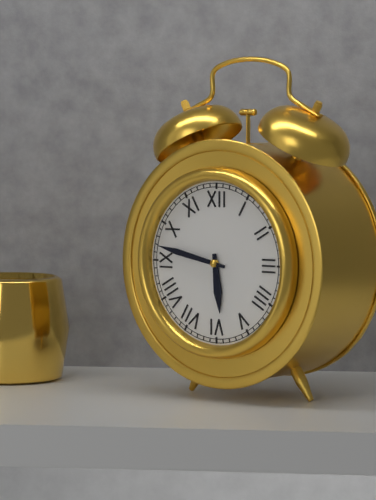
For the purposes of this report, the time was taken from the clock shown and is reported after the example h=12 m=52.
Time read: h=5 m=47
